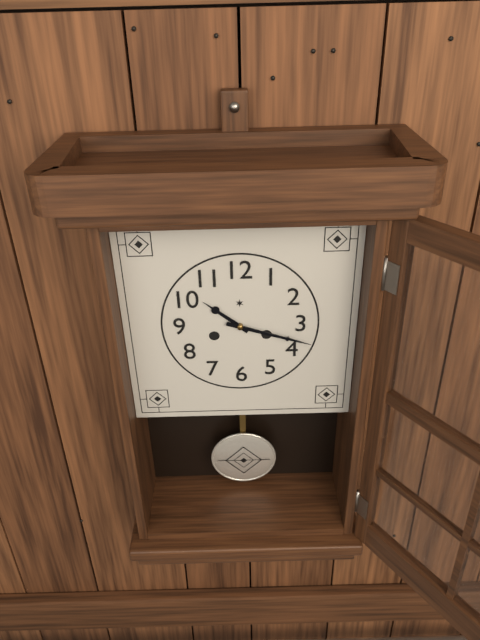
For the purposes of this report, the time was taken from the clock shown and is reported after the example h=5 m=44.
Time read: h=10 m=18
